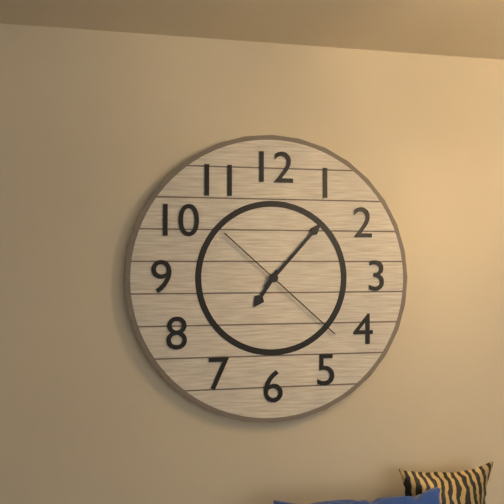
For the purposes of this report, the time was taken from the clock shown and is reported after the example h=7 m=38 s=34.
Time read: h=7 m=7 s=22
